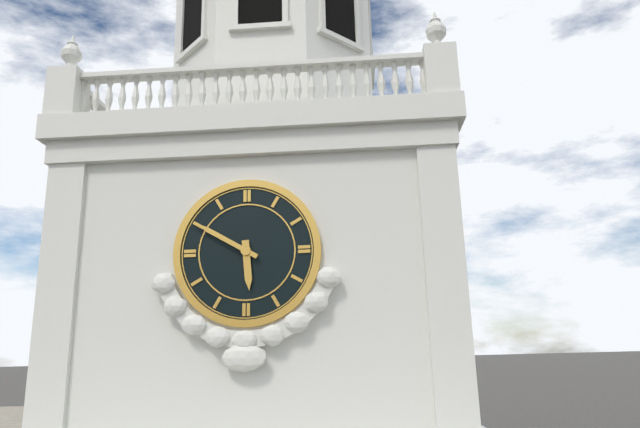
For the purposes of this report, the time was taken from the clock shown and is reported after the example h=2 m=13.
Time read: h=5 m=50
